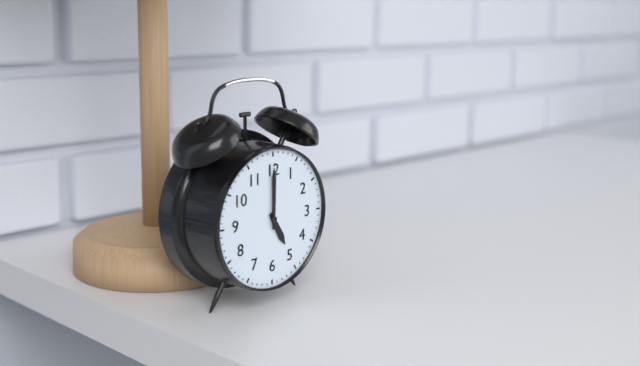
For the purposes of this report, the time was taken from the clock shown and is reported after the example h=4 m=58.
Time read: h=5 m=0
